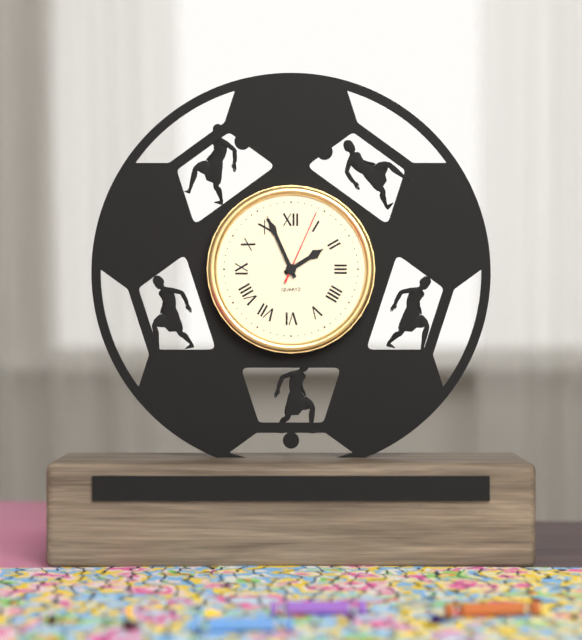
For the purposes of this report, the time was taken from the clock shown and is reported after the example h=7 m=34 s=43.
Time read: h=1 m=56 s=4
